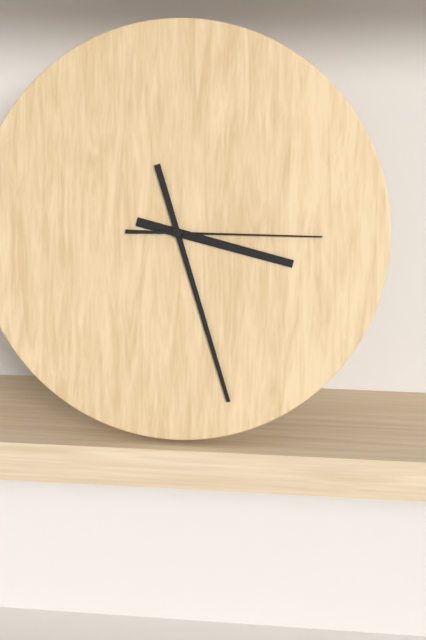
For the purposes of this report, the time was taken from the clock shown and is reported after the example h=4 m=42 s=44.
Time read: h=3 m=27 s=15
